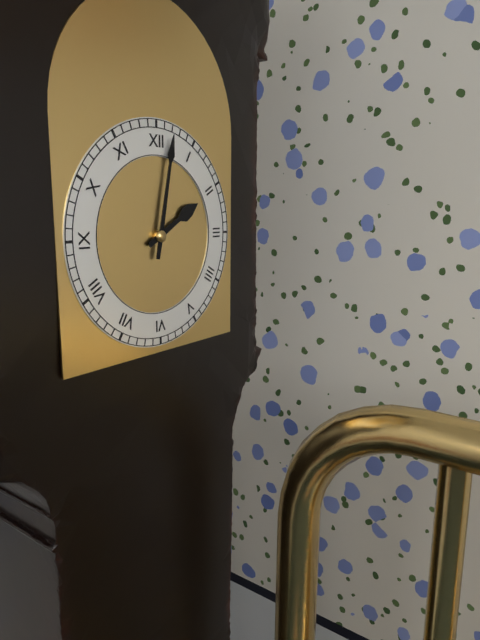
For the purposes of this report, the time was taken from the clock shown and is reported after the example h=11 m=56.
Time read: h=2 m=2
